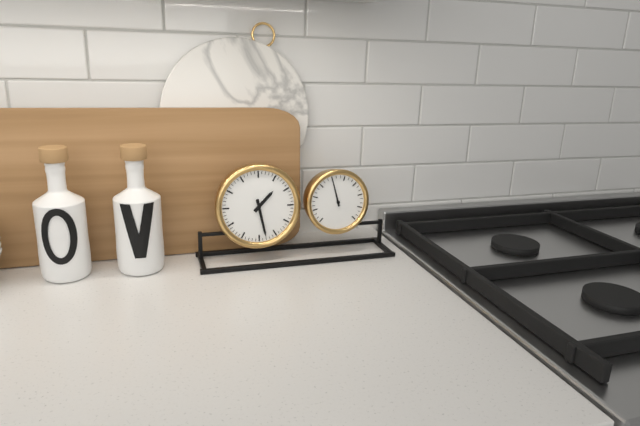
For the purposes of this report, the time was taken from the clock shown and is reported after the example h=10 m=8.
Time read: h=1 m=28
